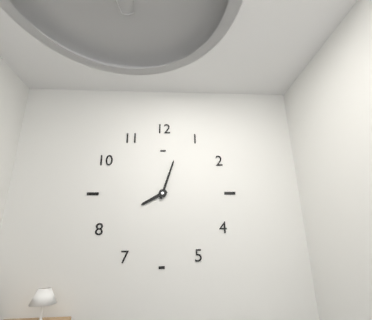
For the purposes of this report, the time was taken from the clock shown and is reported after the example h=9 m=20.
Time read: h=8 m=3
